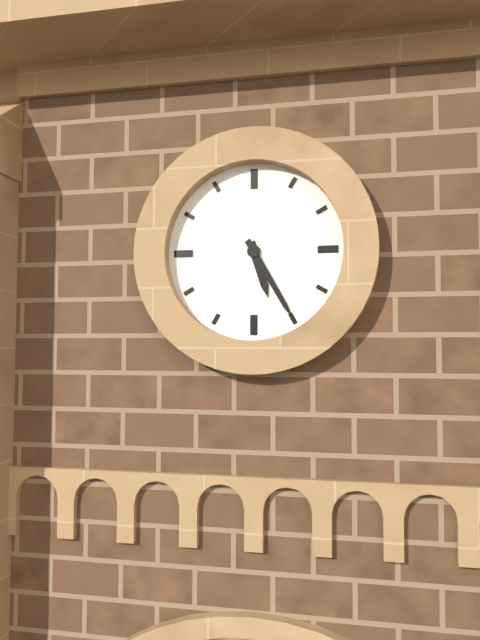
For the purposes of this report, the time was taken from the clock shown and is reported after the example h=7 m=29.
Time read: h=5 m=25
